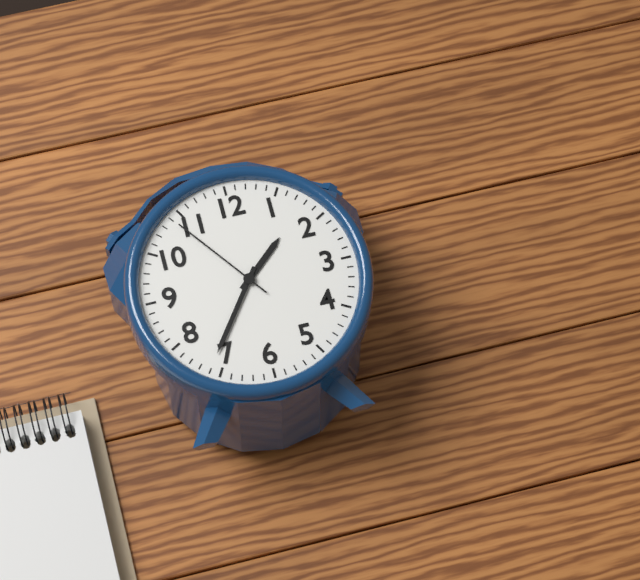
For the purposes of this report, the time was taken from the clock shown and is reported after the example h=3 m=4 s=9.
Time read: h=1 m=36 s=54
